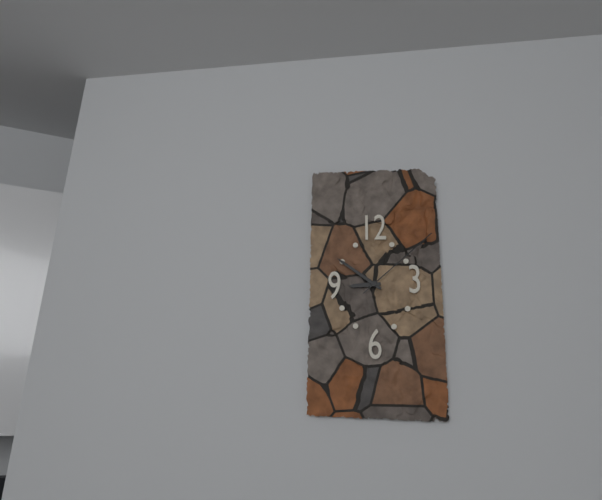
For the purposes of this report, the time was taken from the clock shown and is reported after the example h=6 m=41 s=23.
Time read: h=8 m=51 s=8
